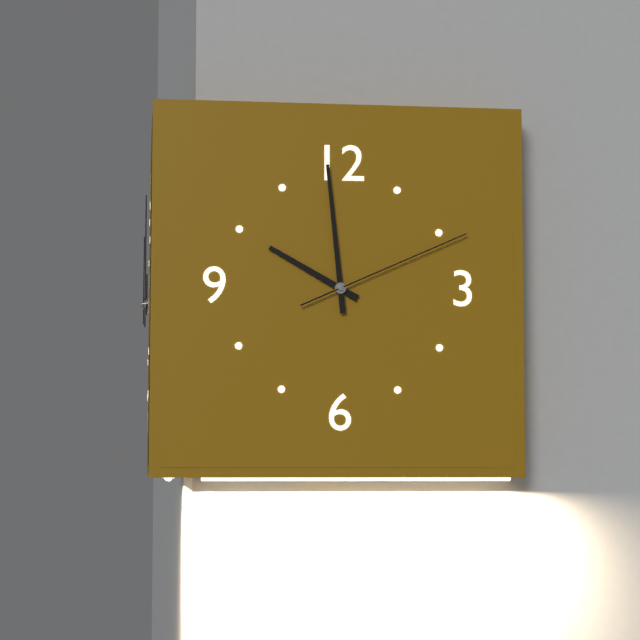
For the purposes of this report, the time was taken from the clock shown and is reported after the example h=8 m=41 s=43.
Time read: h=9 m=59 s=11
